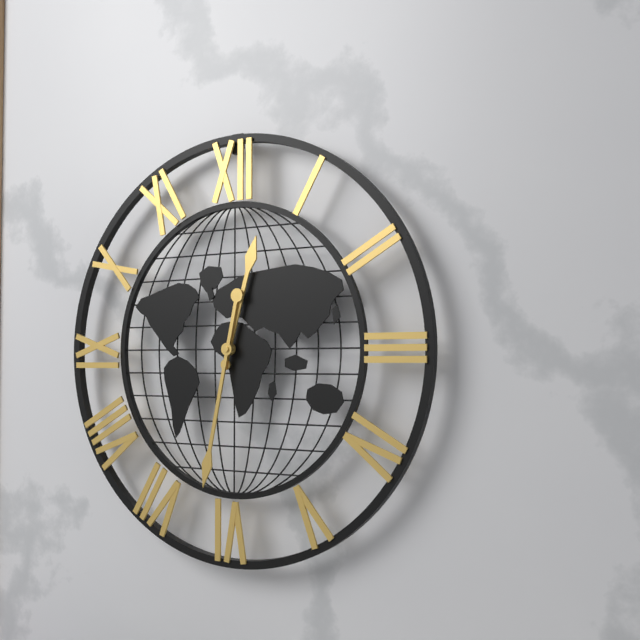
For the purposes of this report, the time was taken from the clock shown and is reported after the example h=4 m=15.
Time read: h=12 m=32
